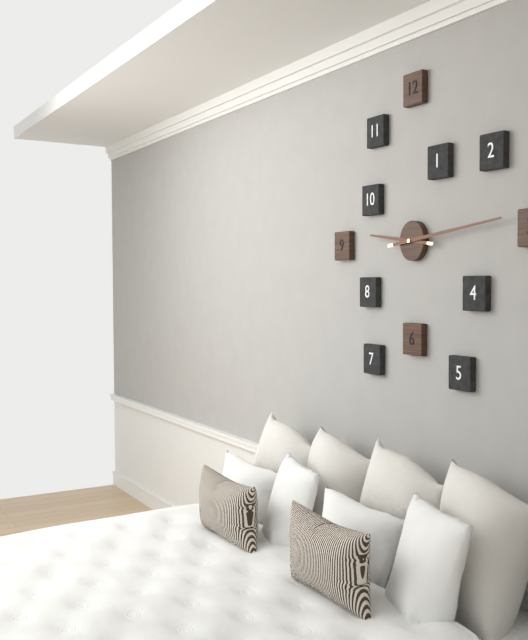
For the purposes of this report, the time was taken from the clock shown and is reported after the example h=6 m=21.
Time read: h=9 m=14
